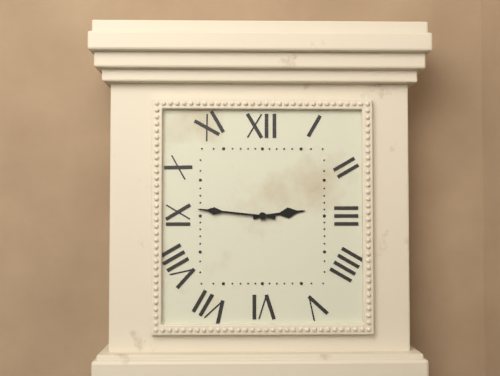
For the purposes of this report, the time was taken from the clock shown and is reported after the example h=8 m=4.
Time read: h=2 m=46
